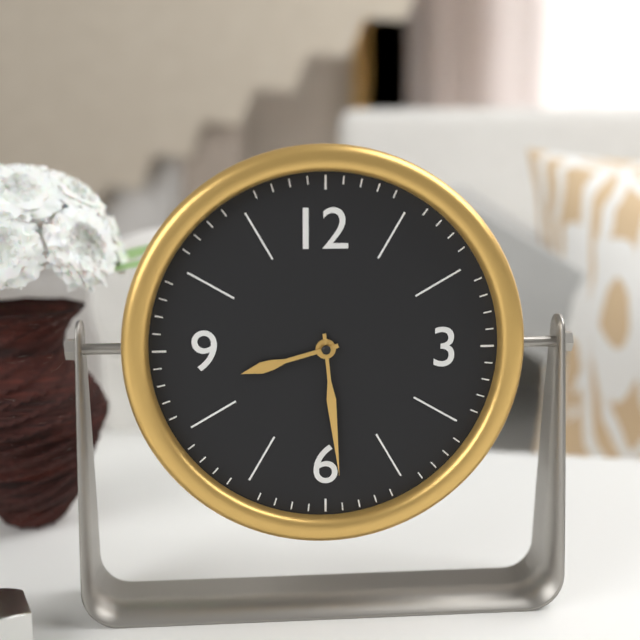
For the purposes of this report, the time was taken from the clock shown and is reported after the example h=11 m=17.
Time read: h=8 m=29
